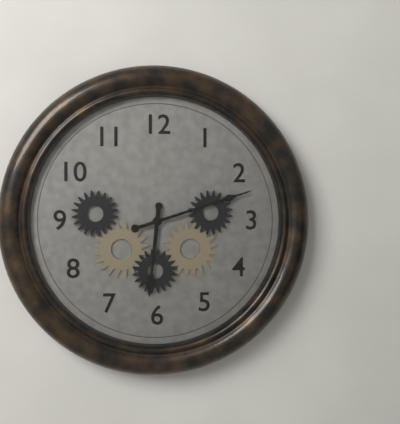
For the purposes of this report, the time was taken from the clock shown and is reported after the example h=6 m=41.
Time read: h=6 m=12
